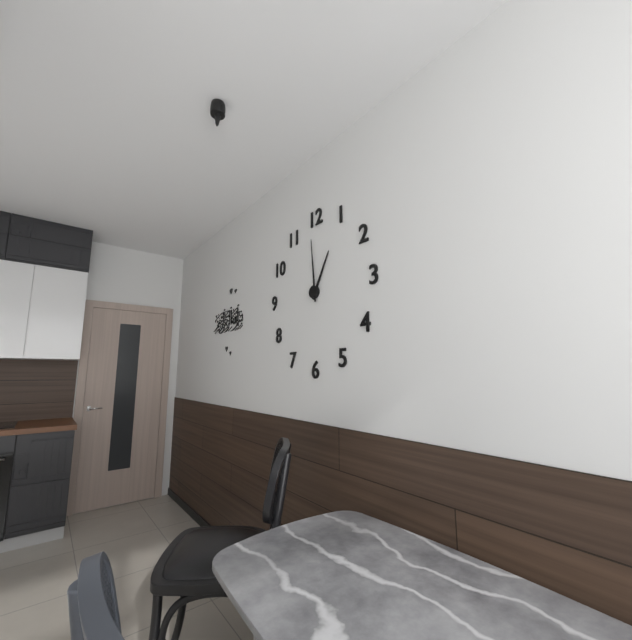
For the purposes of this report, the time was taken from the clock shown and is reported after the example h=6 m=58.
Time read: h=12 m=59
